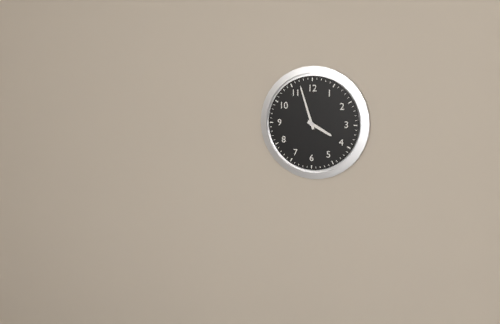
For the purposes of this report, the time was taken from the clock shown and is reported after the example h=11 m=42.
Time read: h=3 m=57
